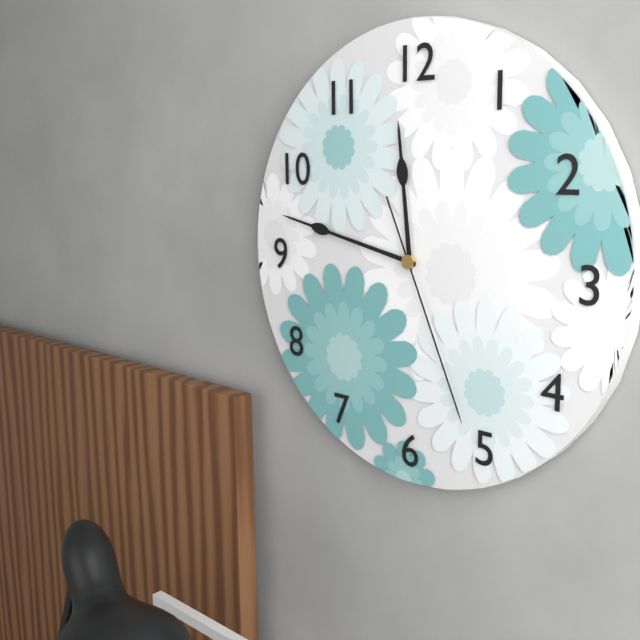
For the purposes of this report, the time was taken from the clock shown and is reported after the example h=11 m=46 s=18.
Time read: h=11 m=47 s=26
